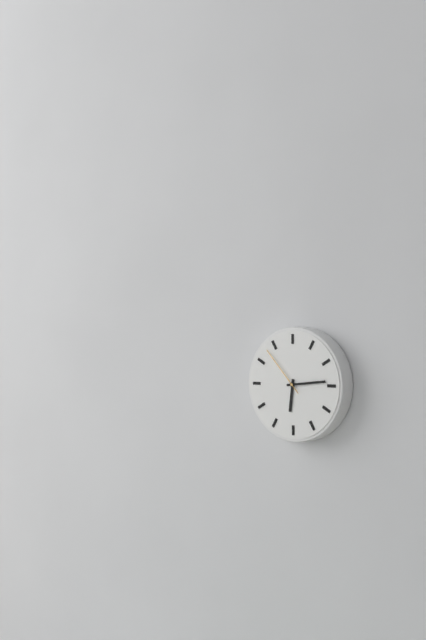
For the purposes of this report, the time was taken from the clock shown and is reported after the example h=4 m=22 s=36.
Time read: h=6 m=14 s=53
